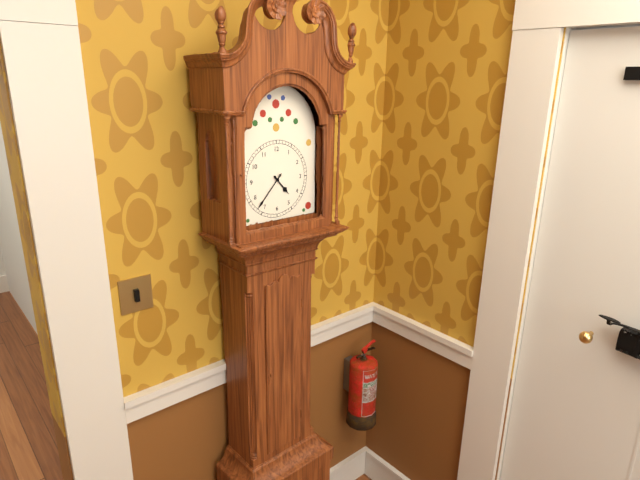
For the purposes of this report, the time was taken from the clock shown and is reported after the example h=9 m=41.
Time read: h=4 m=37
